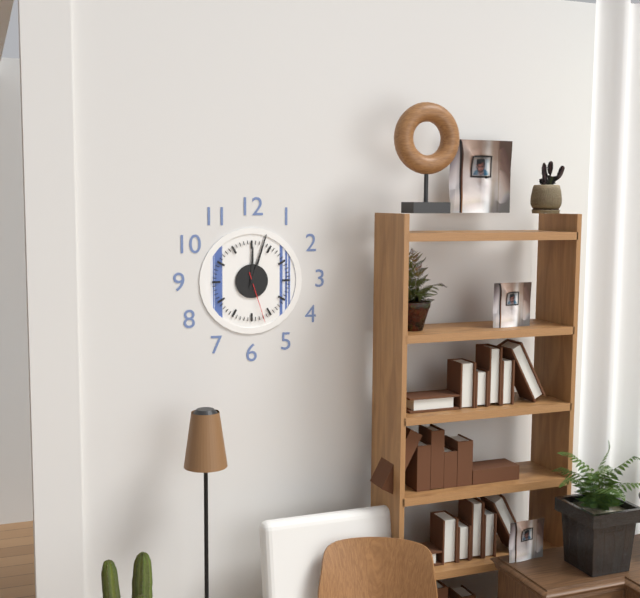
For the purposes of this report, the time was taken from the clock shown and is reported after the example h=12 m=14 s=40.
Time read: h=12 m=3 s=27
